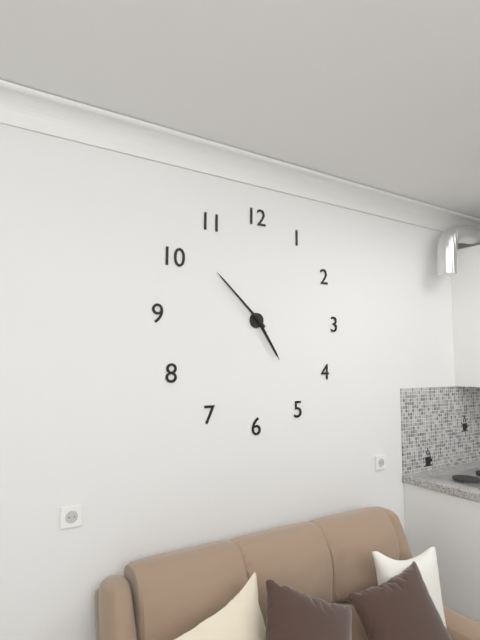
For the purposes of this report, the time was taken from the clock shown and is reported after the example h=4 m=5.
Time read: h=4 m=52
